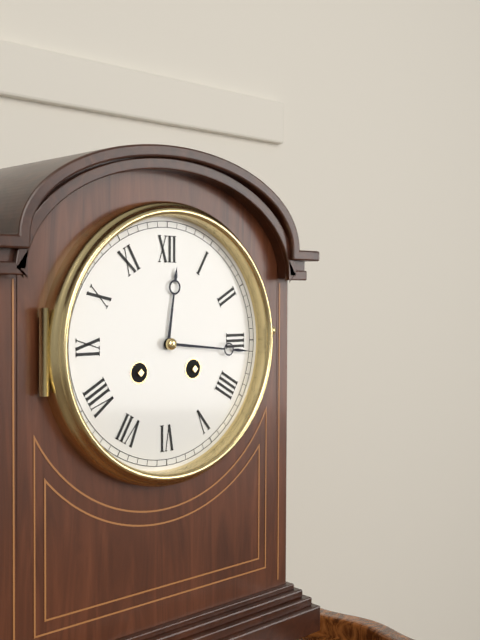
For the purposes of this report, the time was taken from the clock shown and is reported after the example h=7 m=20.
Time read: h=12 m=16
